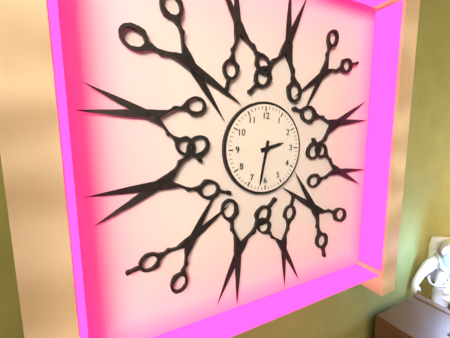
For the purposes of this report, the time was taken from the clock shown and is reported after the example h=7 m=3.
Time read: h=2 m=32
